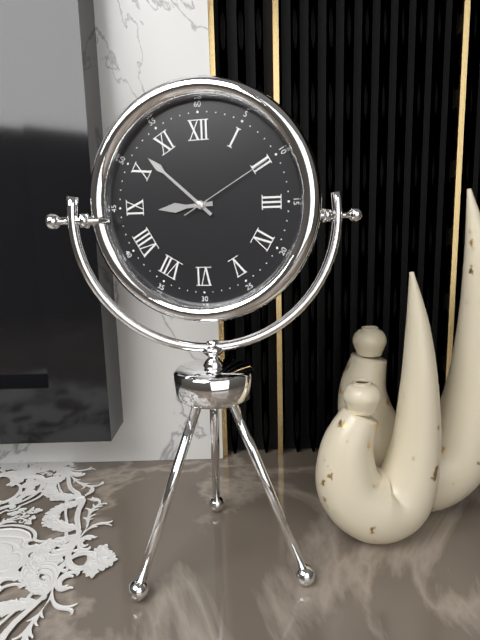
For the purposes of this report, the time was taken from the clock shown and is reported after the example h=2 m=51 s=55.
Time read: h=8 m=52 s=10
